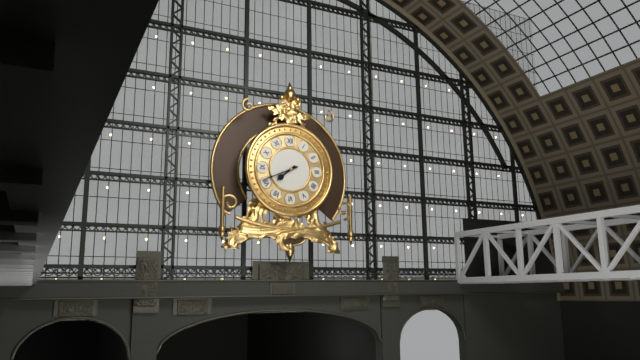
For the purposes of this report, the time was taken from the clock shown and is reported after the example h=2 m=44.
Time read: h=7 m=41
